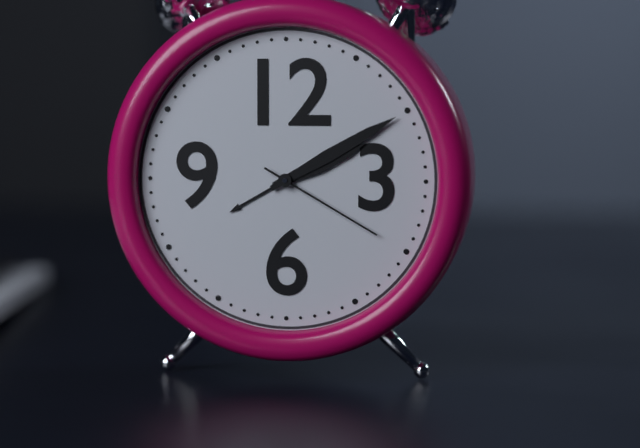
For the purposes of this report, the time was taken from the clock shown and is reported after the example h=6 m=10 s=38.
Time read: h=2 m=10 s=20
